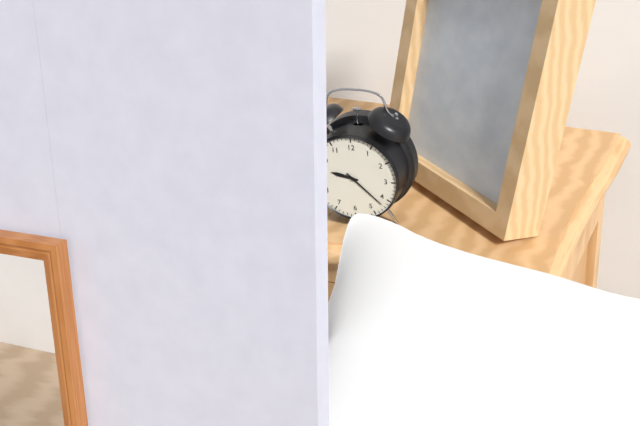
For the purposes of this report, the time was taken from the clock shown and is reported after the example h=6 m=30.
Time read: h=9 m=22
